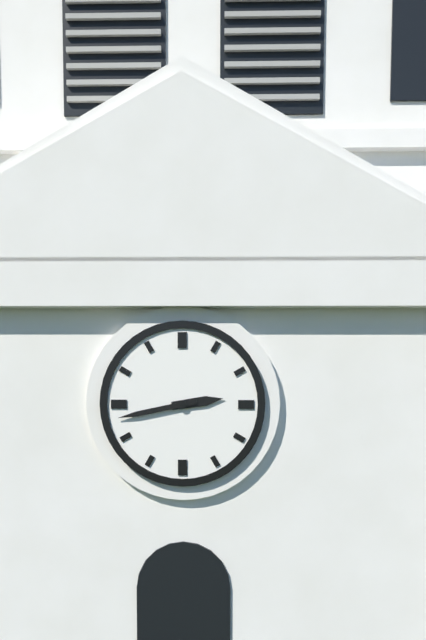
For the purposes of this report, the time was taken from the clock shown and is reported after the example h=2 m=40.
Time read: h=2 m=43
